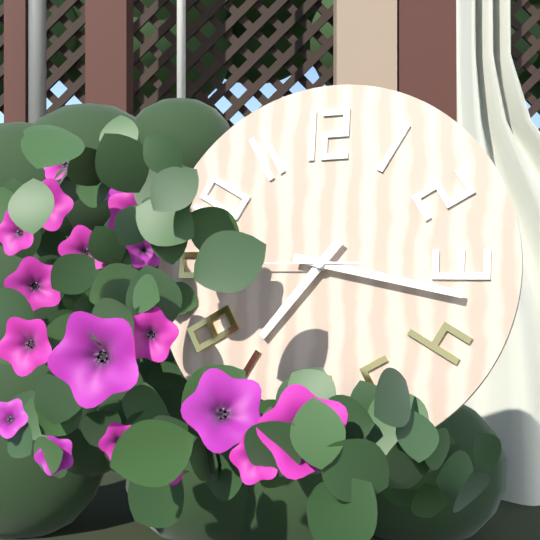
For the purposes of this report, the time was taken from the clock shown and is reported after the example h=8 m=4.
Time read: h=7 m=17
